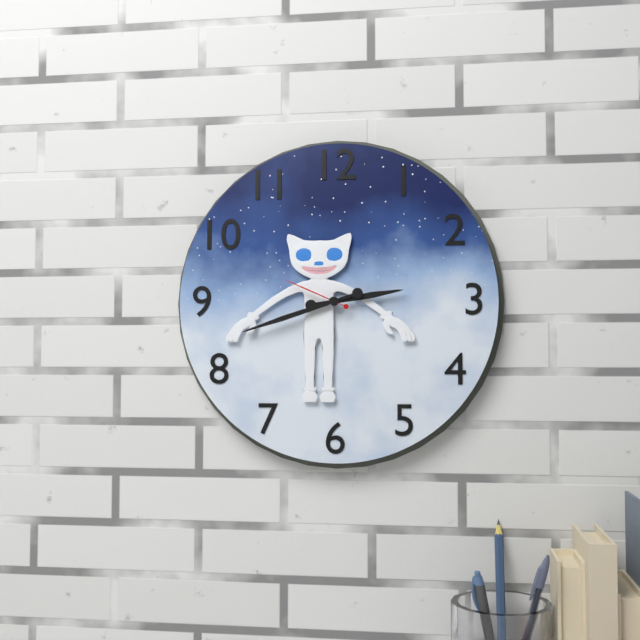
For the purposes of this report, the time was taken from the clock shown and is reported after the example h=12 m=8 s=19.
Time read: h=2 m=42 s=49
